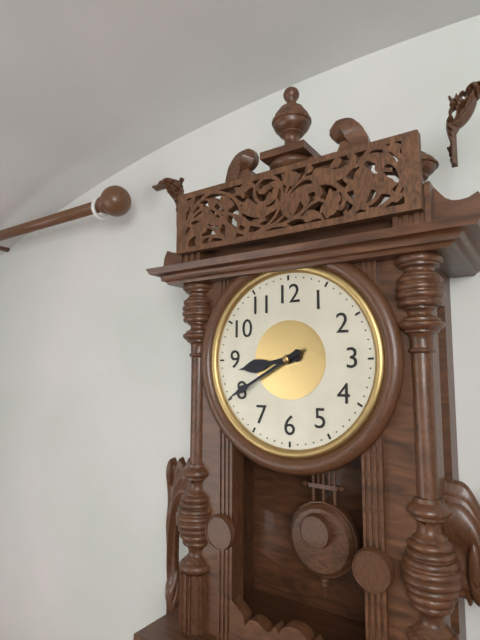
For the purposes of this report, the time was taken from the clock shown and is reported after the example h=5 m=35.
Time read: h=8 m=40
